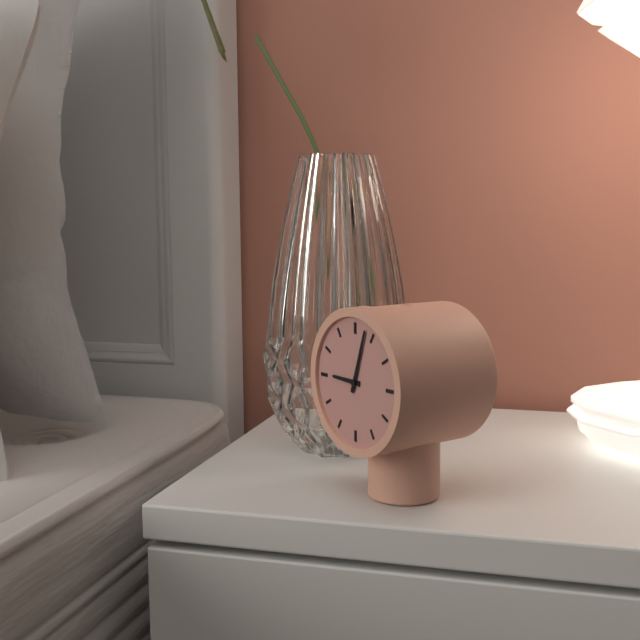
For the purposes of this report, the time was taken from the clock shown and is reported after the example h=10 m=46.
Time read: h=9 m=3
